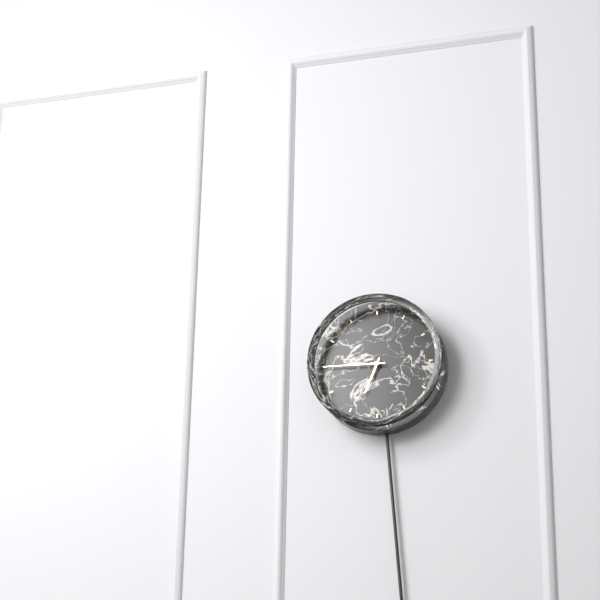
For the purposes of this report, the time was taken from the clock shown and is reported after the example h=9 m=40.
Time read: h=6 m=45
